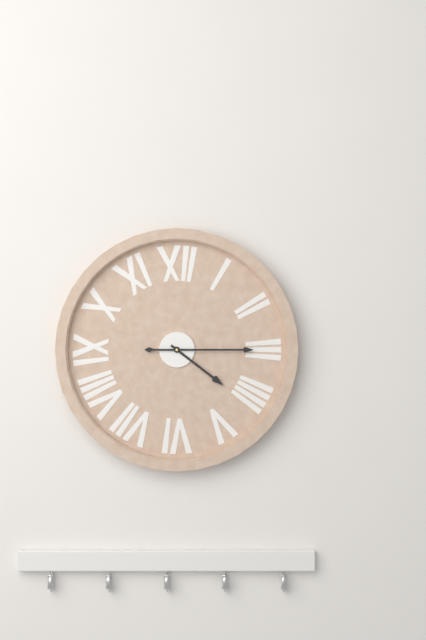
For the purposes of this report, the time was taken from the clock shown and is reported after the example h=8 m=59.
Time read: h=4 m=15
